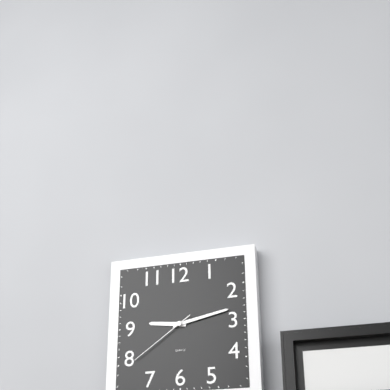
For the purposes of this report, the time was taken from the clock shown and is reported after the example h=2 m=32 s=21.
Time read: h=9 m=13 s=39
